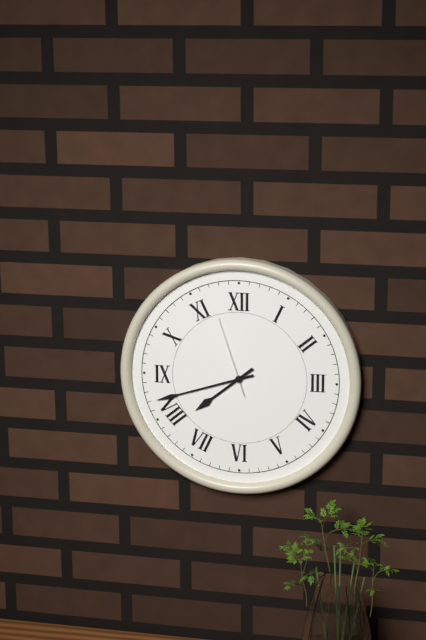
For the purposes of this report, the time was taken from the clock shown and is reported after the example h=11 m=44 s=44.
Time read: h=7 m=42 s=57
